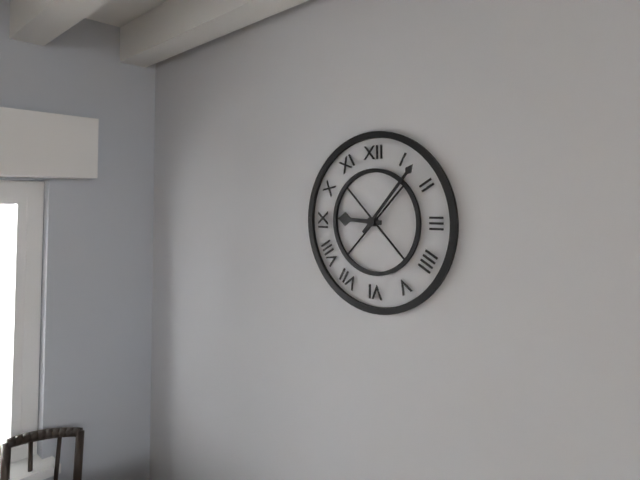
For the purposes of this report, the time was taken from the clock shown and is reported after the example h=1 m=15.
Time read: h=9 m=7
